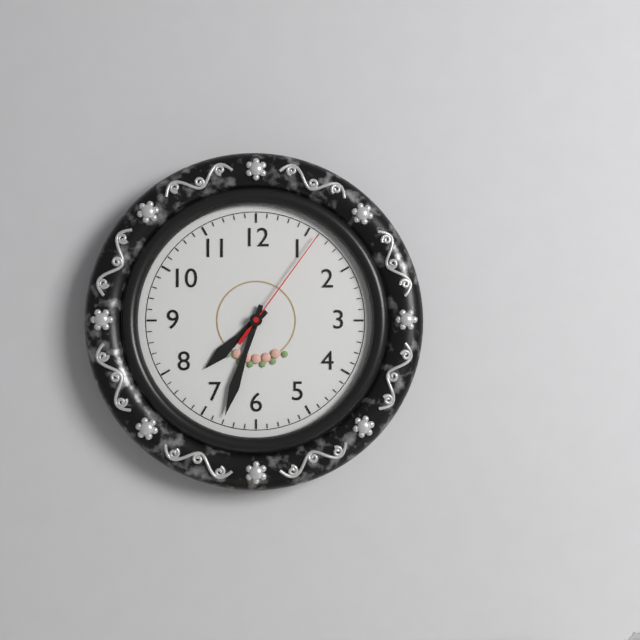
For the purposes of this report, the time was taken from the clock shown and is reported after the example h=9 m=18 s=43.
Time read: h=7 m=33 s=6
